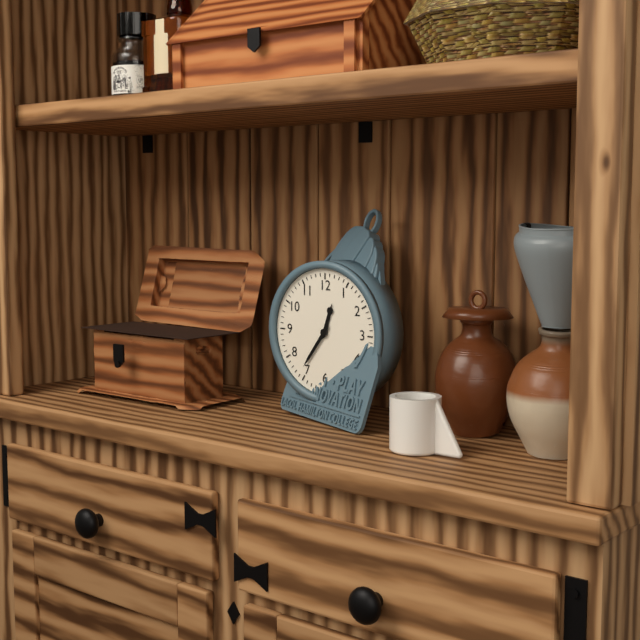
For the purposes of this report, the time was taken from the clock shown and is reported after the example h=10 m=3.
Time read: h=12 m=36
